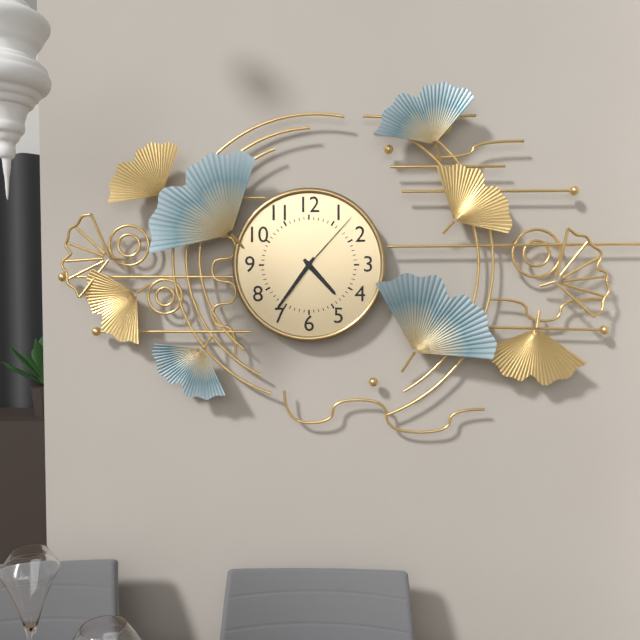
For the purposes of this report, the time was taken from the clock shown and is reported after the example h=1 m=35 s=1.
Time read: h=4 m=36 s=7
